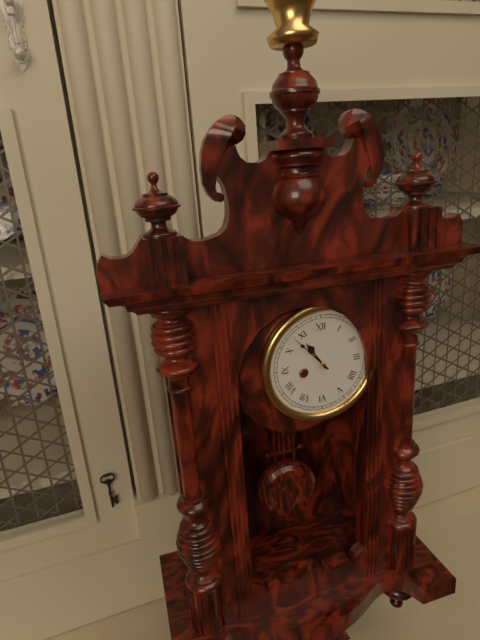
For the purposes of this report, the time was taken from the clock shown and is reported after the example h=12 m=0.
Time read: h=10 m=53
